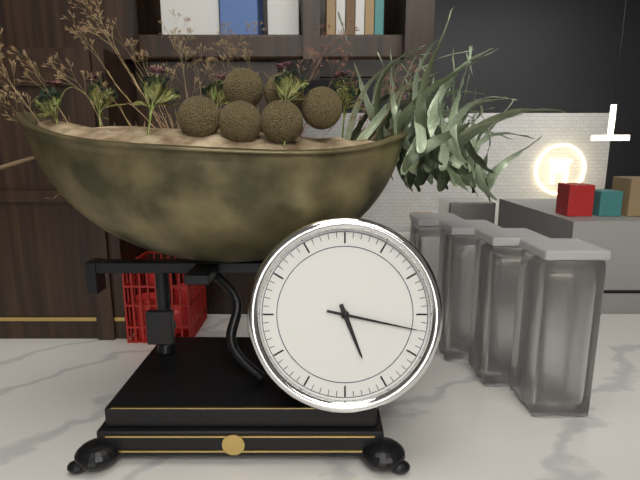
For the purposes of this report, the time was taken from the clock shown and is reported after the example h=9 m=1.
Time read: h=5 m=17
